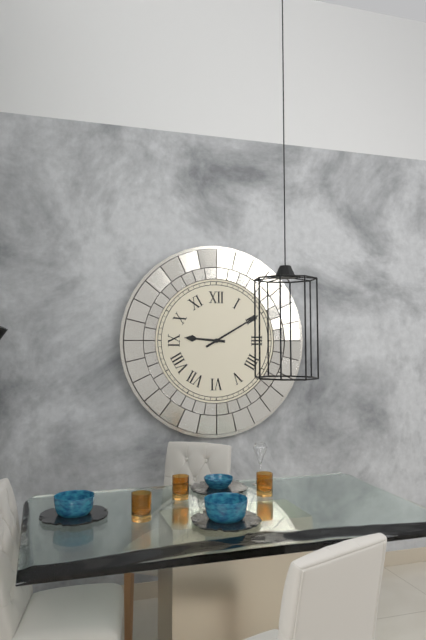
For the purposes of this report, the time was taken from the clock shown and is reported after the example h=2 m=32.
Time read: h=9 m=10
